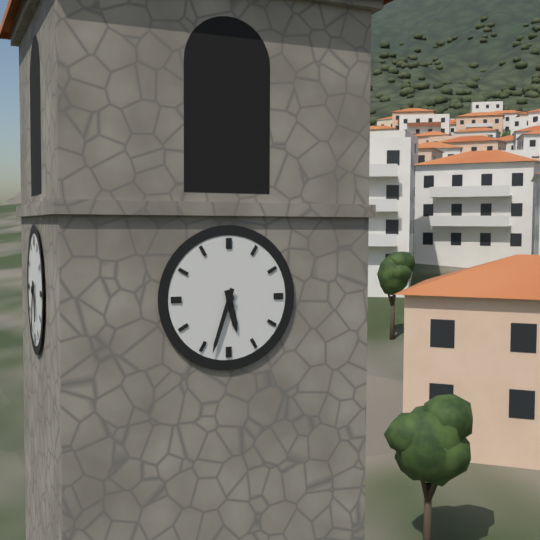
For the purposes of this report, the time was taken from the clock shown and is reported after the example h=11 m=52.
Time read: h=5 m=33
